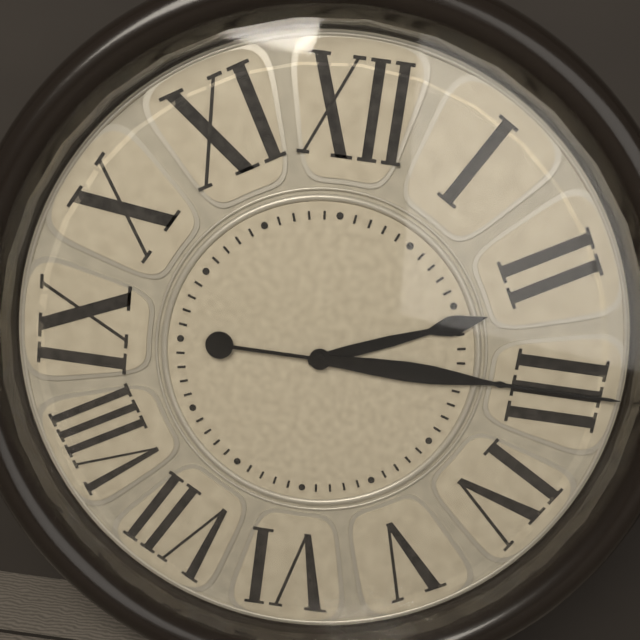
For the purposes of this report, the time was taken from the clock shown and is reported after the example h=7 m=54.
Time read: h=2 m=15
